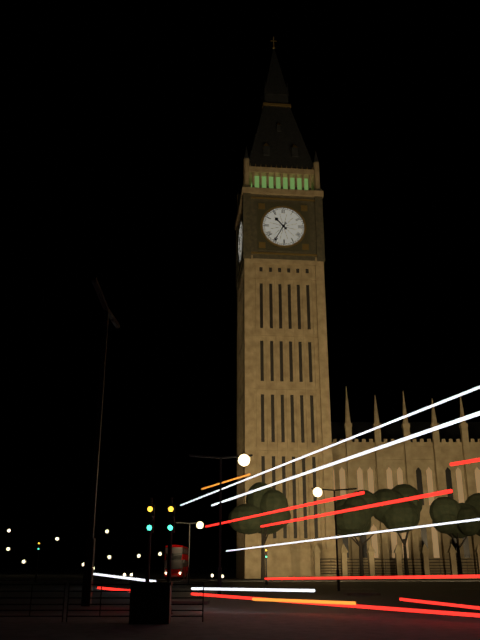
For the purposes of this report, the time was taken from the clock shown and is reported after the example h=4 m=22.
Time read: h=10 m=35
